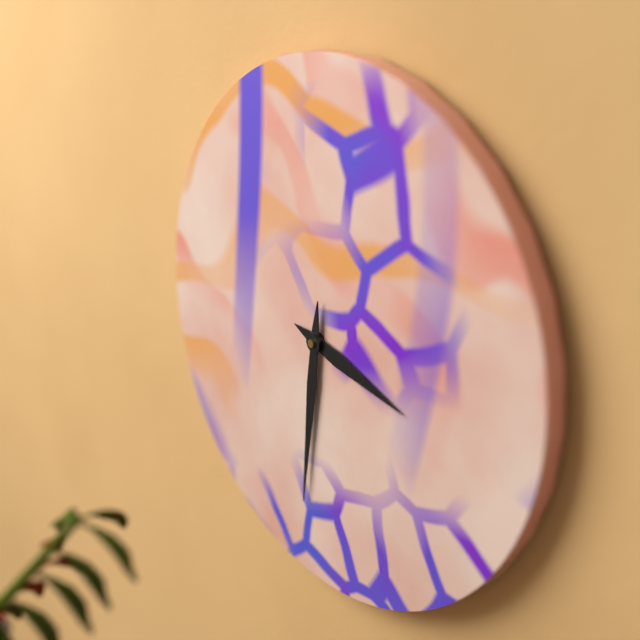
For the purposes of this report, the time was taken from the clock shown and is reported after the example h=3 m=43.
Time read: h=3 m=31
